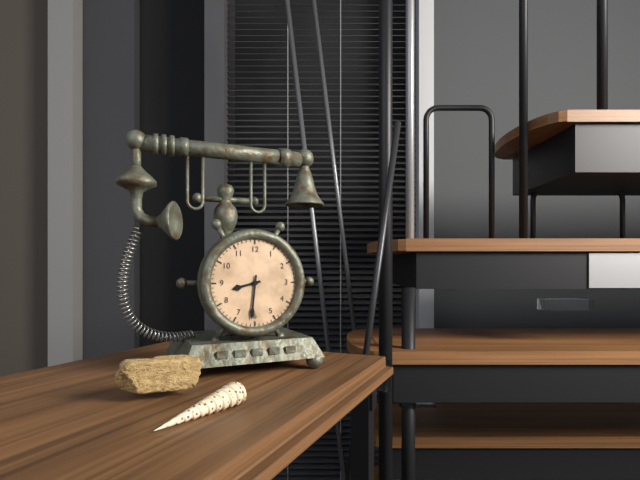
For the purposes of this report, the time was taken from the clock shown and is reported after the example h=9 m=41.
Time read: h=8 m=31
